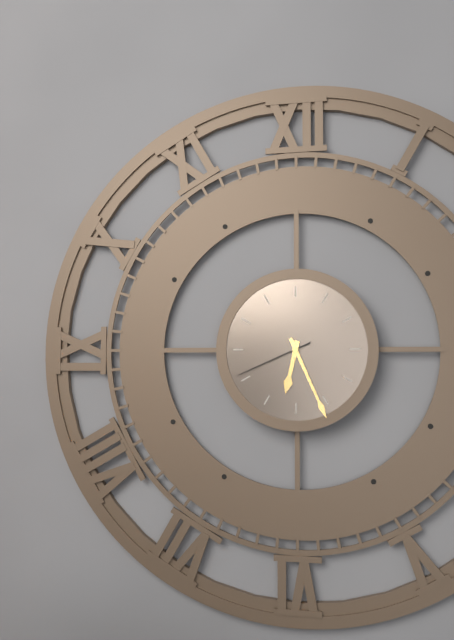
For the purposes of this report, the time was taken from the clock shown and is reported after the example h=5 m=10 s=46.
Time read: h=6 m=26 s=41
